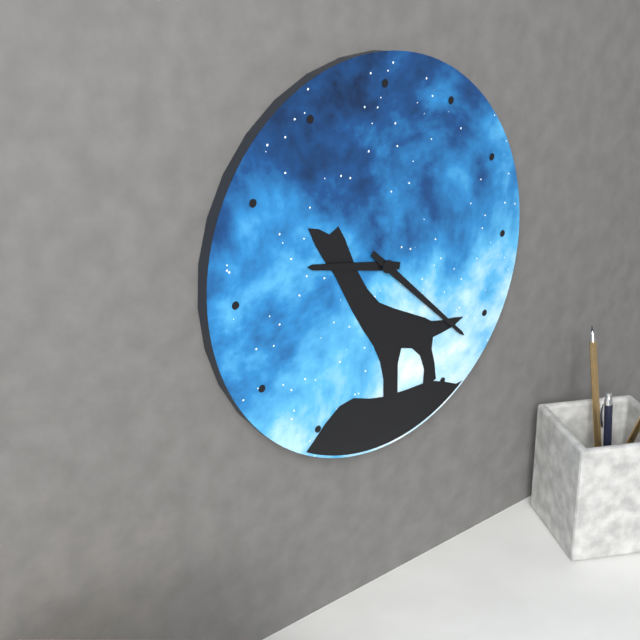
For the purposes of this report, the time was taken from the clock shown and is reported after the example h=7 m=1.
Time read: h=9 m=22
